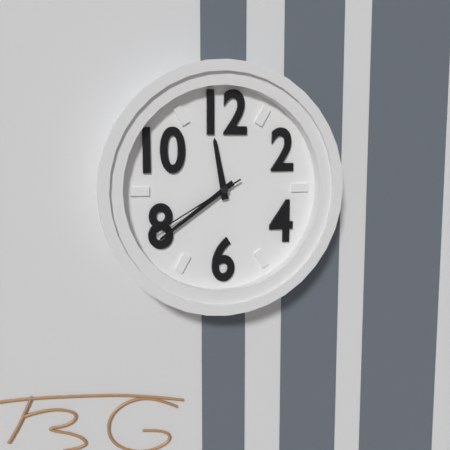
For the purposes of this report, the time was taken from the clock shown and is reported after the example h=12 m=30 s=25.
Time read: h=11 m=39 s=40
